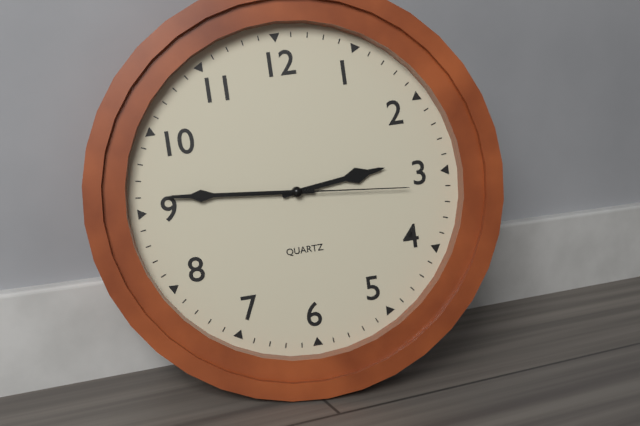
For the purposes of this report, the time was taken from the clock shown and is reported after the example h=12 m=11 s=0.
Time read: h=2 m=46 s=16
